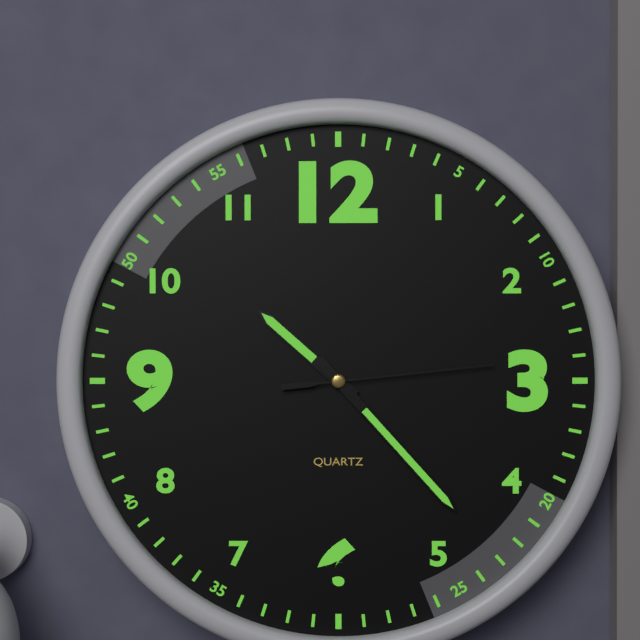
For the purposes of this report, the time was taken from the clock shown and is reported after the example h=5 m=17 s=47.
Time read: h=10 m=23 s=14
